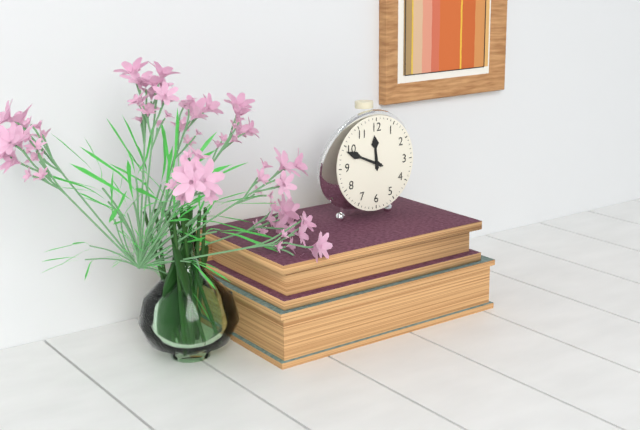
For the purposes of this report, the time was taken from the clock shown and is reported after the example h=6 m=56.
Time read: h=11 m=49
